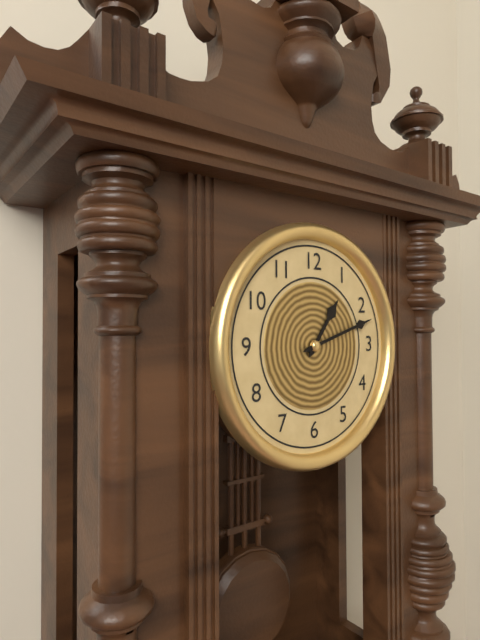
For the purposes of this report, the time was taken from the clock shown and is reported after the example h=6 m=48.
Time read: h=1 m=12
